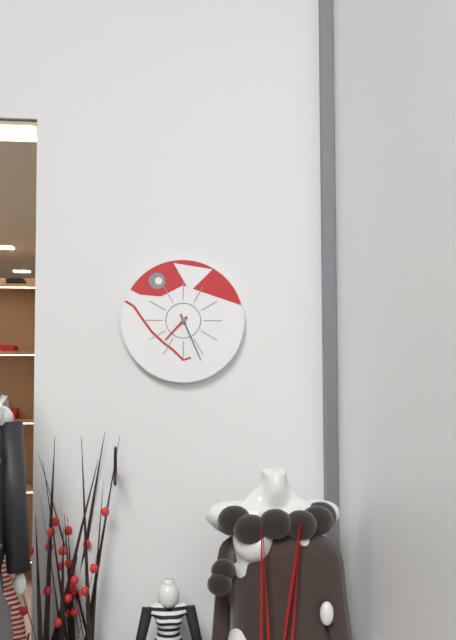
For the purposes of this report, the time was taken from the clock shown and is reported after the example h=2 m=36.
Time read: h=7 m=26
